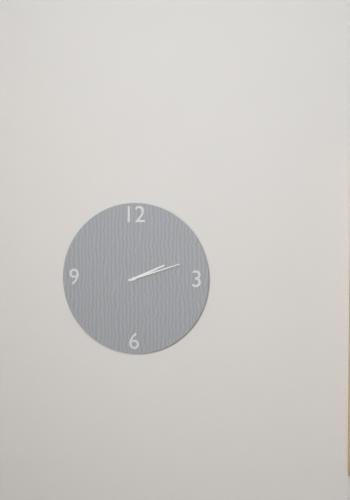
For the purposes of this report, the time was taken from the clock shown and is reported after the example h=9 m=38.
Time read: h=2 m=12
